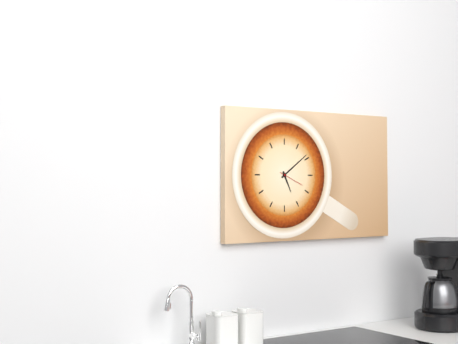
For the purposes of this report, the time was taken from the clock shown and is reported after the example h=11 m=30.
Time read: h=5 m=9
